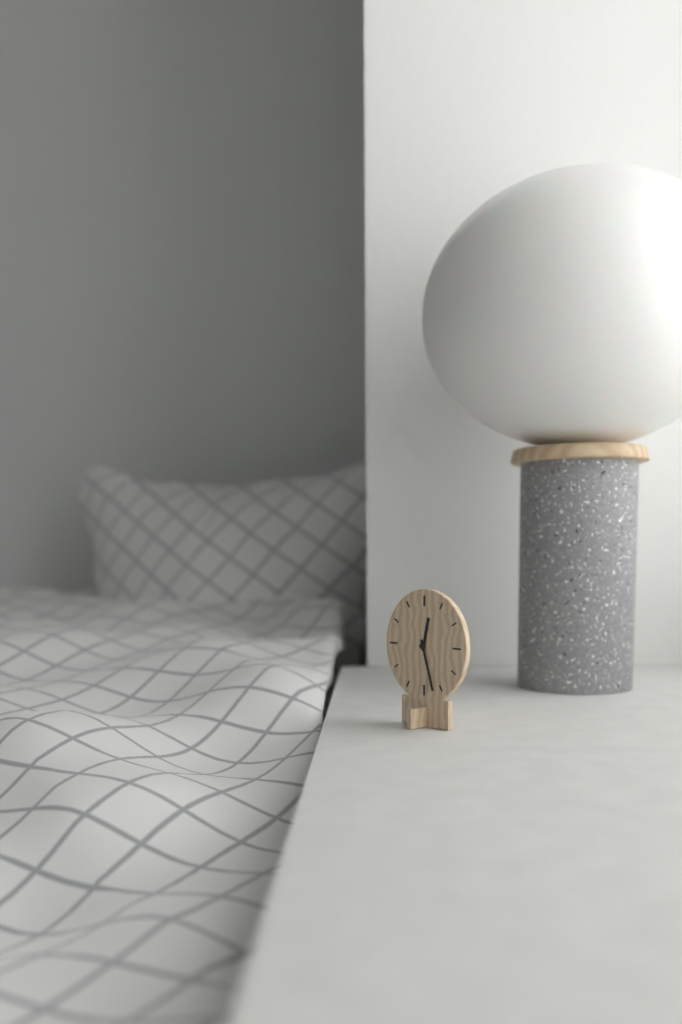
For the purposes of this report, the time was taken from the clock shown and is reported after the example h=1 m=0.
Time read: h=12 m=27
